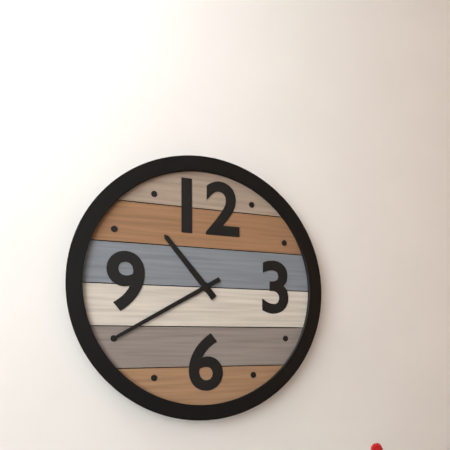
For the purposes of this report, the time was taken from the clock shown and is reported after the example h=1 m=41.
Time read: h=10 m=40
